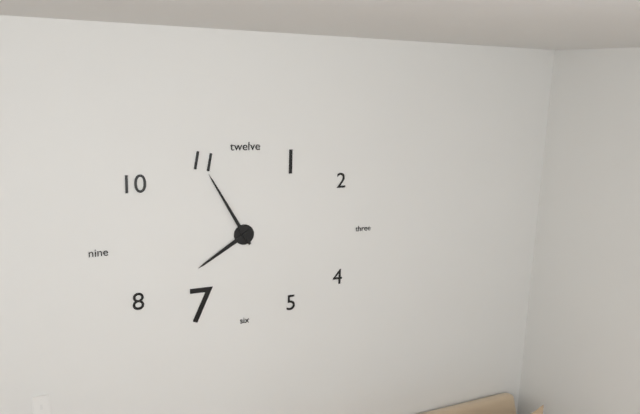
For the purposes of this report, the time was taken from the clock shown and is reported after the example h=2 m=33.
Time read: h=7 m=55
